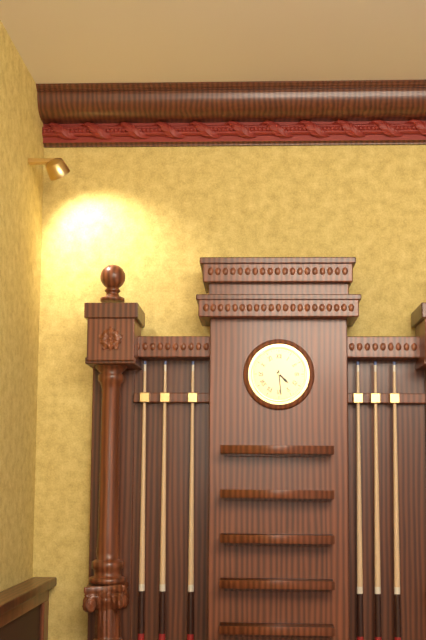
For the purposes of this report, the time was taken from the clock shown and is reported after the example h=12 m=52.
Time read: h=4 m=29
